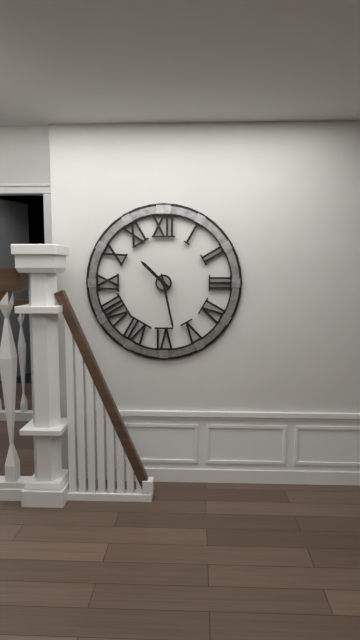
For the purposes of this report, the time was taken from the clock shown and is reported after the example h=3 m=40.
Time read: h=10 m=28
